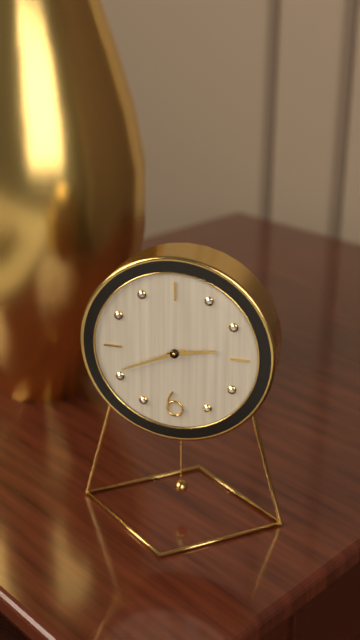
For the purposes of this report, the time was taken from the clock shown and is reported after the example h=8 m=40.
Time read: h=2 m=41
